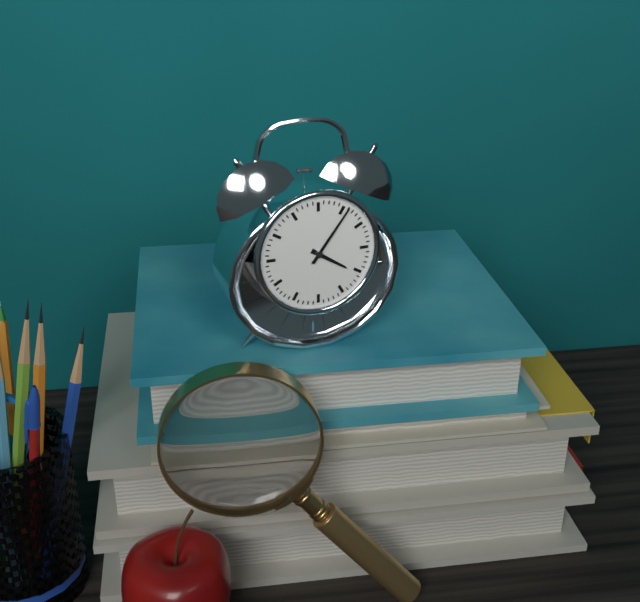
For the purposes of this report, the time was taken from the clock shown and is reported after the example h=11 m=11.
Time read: h=4 m=6
